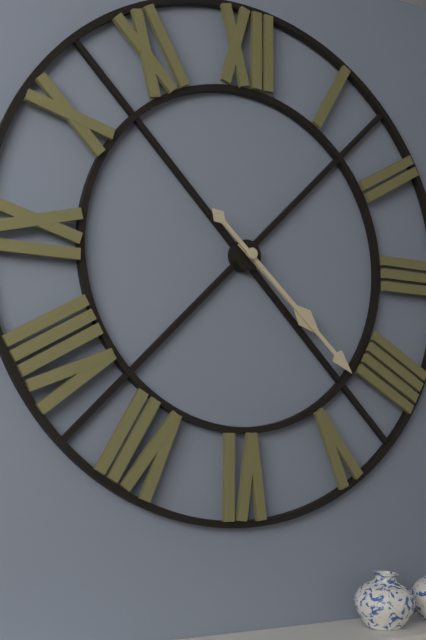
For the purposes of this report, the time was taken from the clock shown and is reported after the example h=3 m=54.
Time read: h=4 m=22
